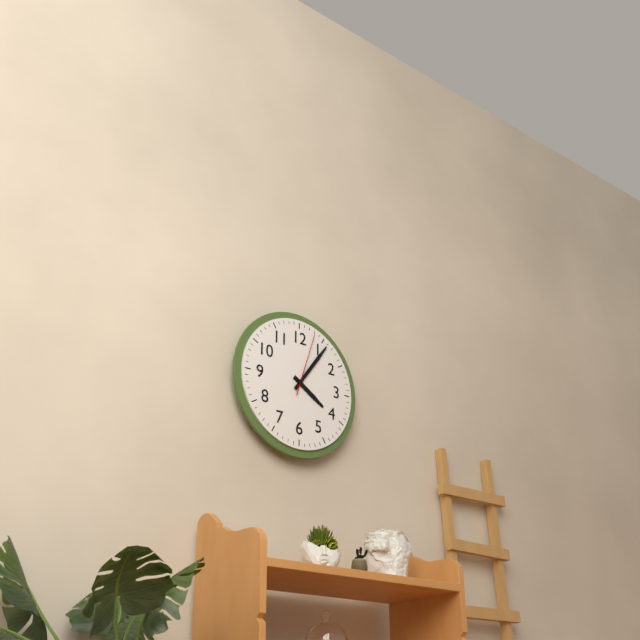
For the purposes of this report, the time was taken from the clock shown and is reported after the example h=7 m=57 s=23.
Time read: h=4 m=6 s=3
